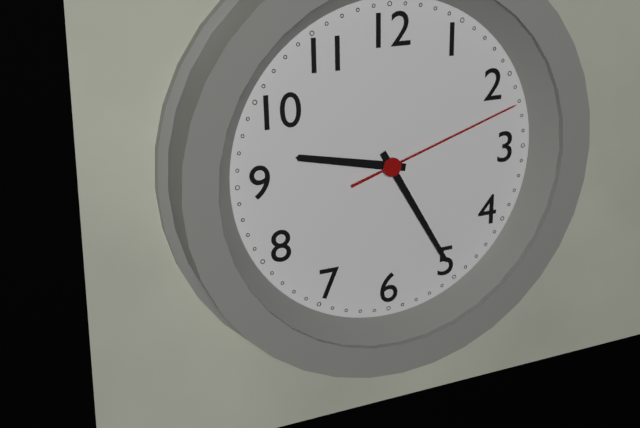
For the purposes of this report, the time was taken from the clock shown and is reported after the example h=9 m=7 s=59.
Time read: h=9 m=25 s=12
